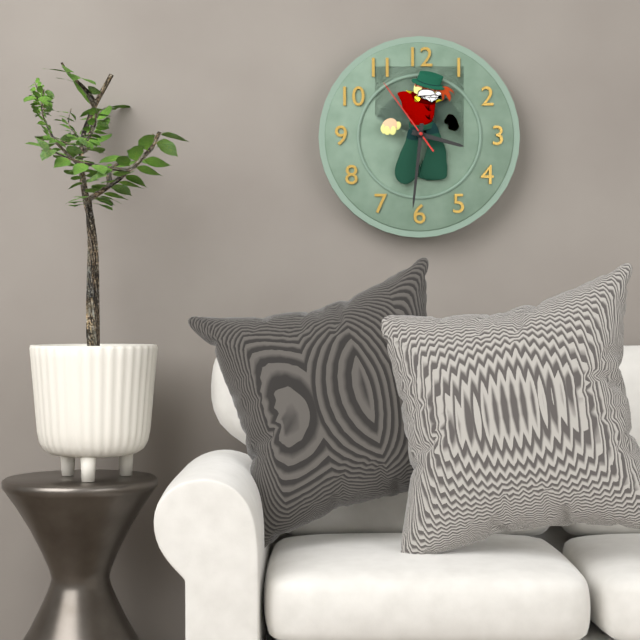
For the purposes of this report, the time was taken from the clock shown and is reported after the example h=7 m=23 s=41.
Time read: h=3 m=31 s=54
